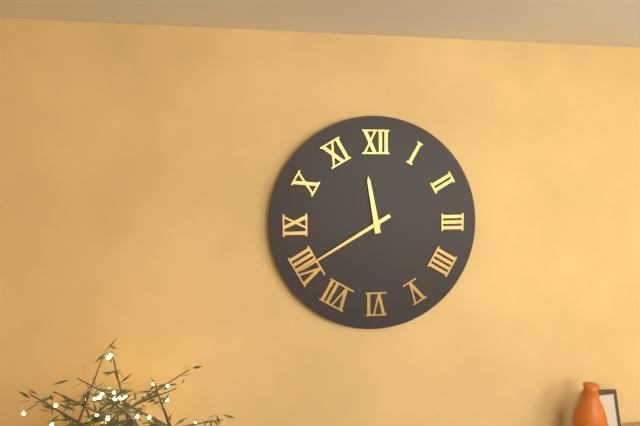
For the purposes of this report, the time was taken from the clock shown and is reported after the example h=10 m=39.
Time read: h=11 m=40
